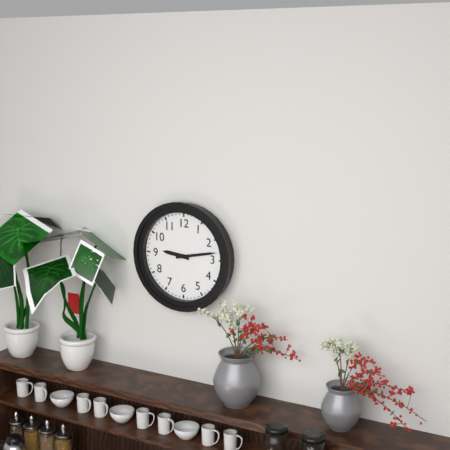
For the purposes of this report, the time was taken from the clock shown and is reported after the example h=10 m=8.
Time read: h=9 m=13
